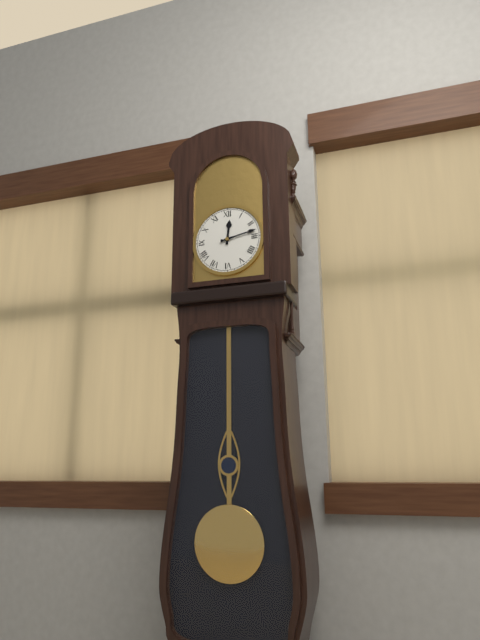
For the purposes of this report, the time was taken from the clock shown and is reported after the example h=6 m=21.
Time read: h=12 m=13
